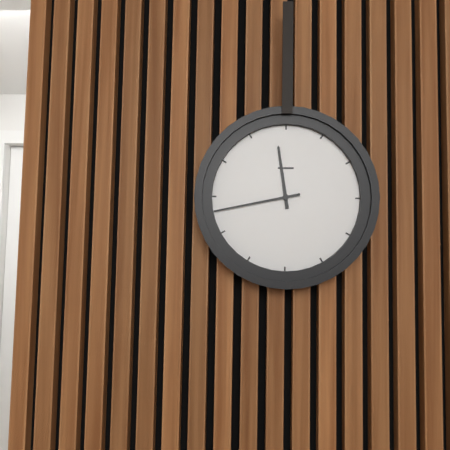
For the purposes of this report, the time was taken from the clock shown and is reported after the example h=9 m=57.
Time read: h=11 m=43
